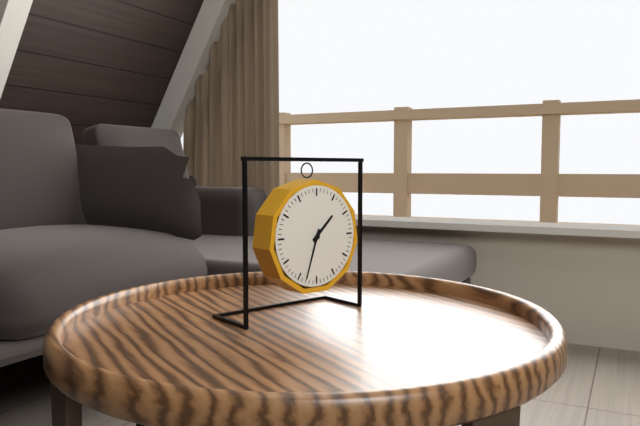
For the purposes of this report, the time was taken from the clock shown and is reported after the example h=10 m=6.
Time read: h=1 m=33
